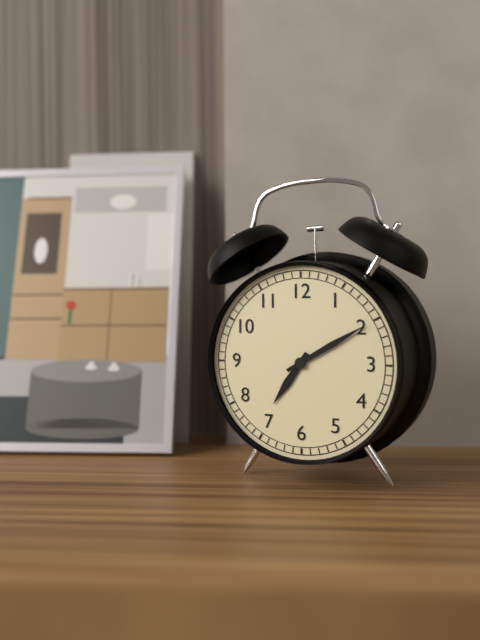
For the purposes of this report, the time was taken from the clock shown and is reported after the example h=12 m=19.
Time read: h=7 m=10
